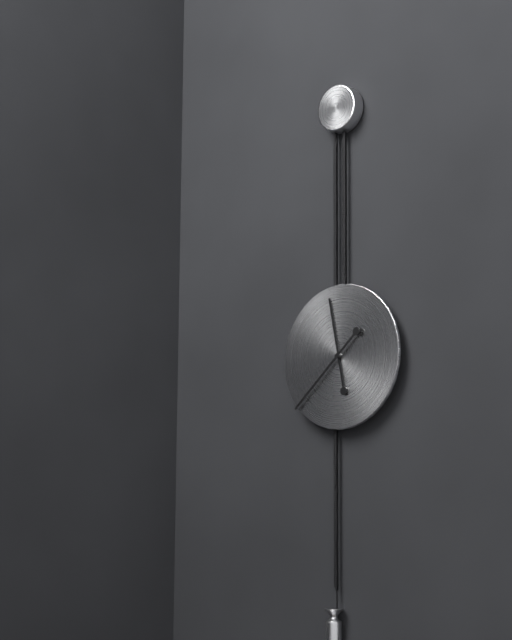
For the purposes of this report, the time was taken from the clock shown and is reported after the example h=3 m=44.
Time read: h=11 m=38
